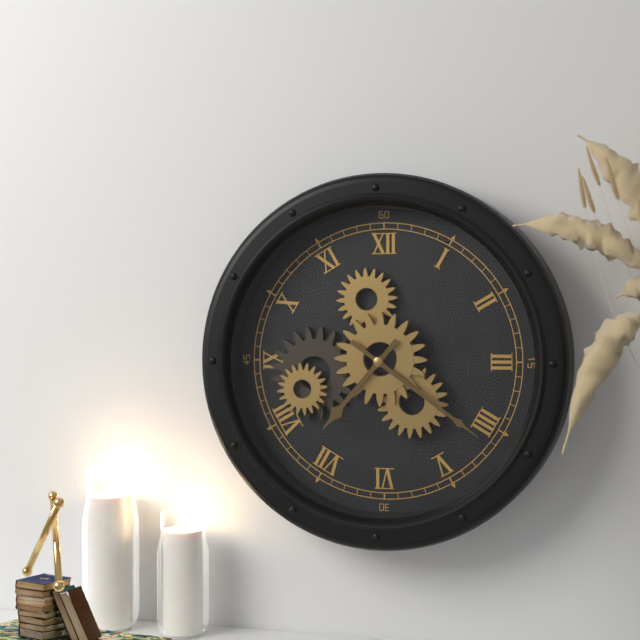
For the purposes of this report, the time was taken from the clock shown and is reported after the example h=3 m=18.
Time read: h=7 m=21
